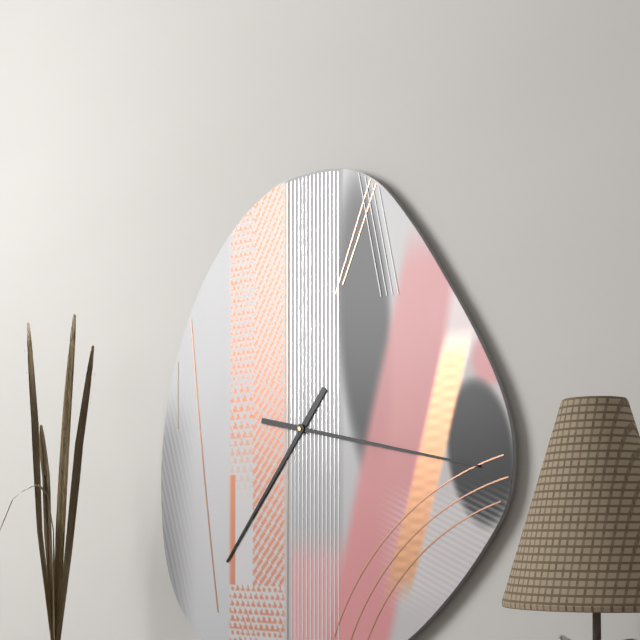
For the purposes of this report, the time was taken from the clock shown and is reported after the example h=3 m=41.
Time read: h=7 m=17
